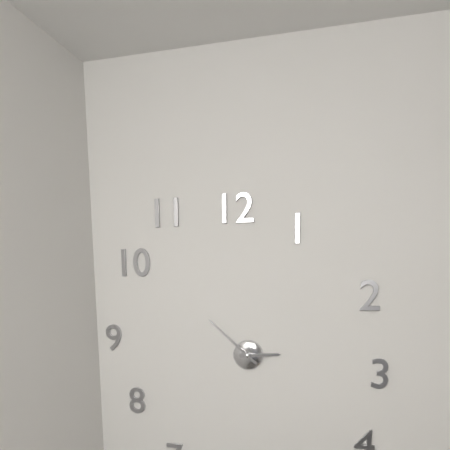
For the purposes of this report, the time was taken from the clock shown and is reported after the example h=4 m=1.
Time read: h=2 m=52
